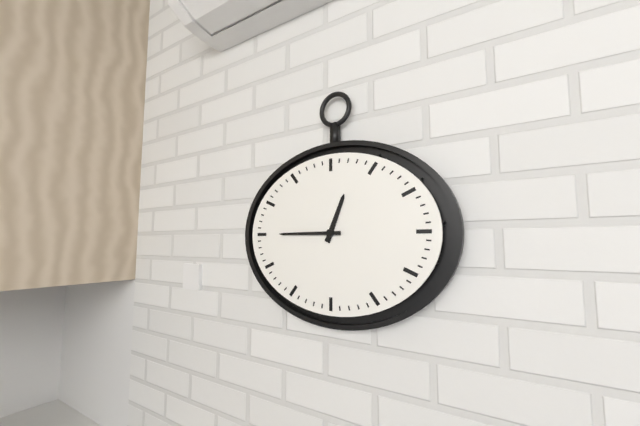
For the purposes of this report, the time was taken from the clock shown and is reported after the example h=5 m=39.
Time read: h=12 m=45
